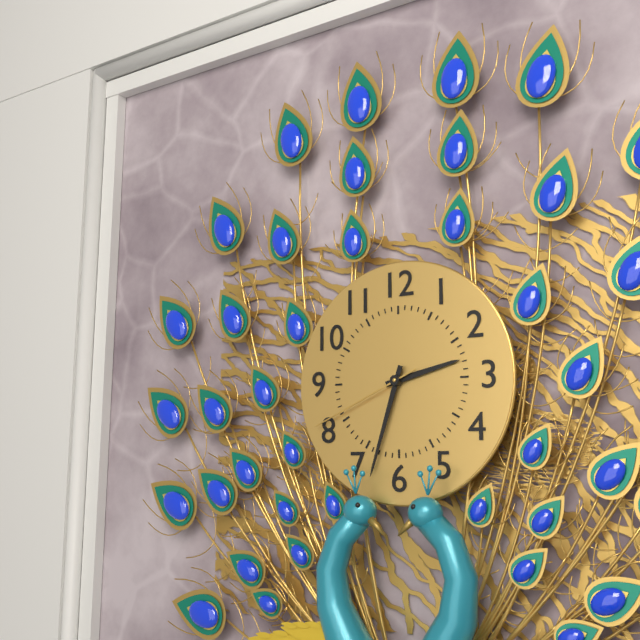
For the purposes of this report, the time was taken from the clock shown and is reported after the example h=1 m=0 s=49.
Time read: h=2 m=33 s=41
